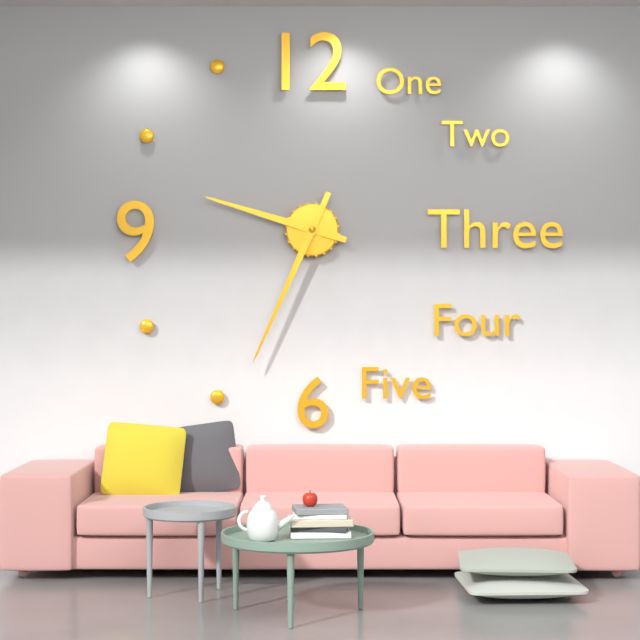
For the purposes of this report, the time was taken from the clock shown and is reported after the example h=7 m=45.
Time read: h=9 m=34
